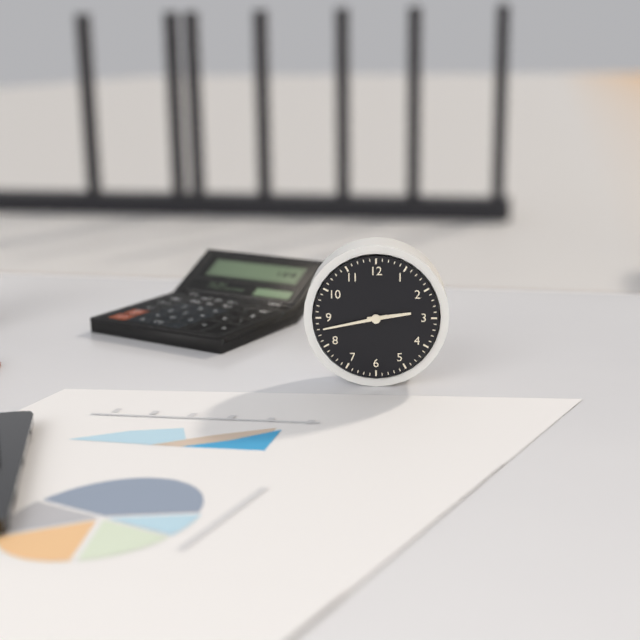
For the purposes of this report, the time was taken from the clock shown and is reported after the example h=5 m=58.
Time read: h=2 m=43
